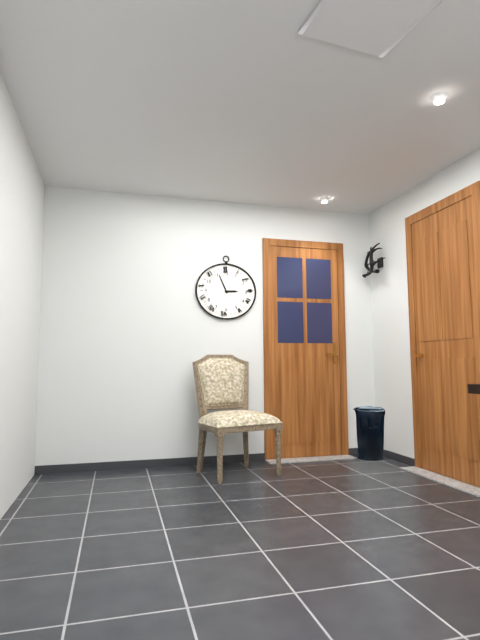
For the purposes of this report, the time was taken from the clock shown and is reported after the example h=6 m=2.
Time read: h=2 m=56
